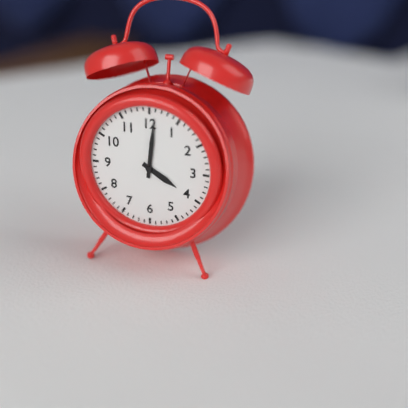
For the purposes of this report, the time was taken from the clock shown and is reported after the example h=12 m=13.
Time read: h=4 m=1
